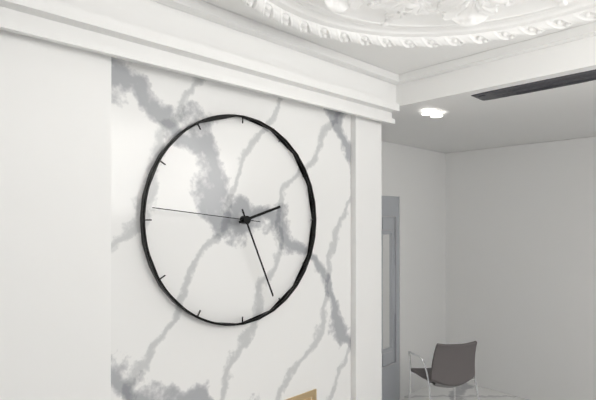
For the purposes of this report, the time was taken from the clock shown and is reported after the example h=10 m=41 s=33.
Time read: h=2 m=26 s=46
